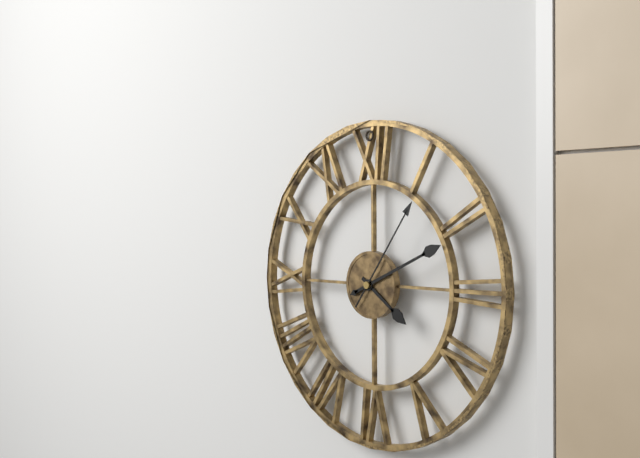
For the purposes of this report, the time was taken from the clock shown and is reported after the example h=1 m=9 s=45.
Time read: h=4 m=11 s=6
